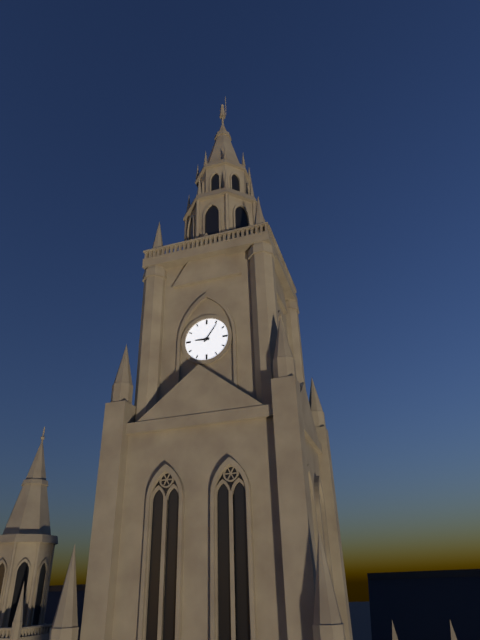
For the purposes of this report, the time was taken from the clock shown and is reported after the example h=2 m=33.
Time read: h=9 m=6
